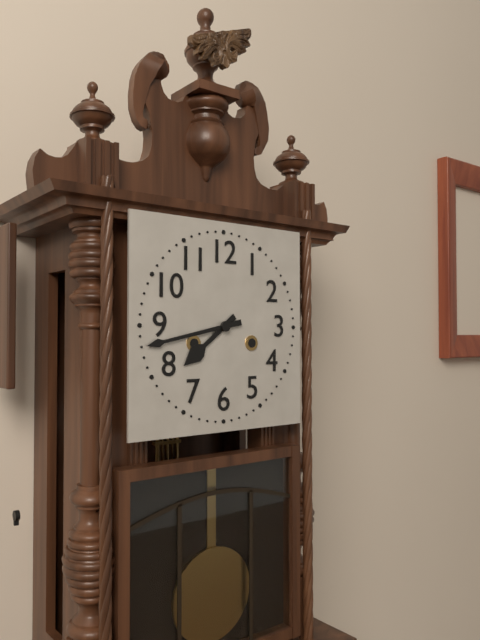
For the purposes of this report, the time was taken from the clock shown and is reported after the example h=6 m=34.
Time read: h=7 m=43
